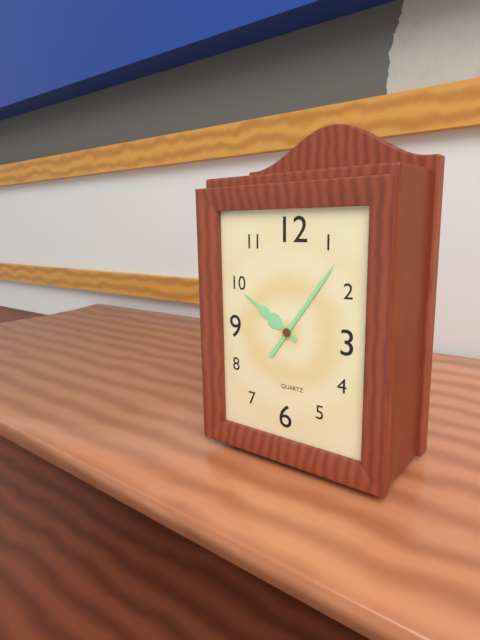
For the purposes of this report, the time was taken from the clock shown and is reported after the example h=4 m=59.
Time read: h=10 m=6
